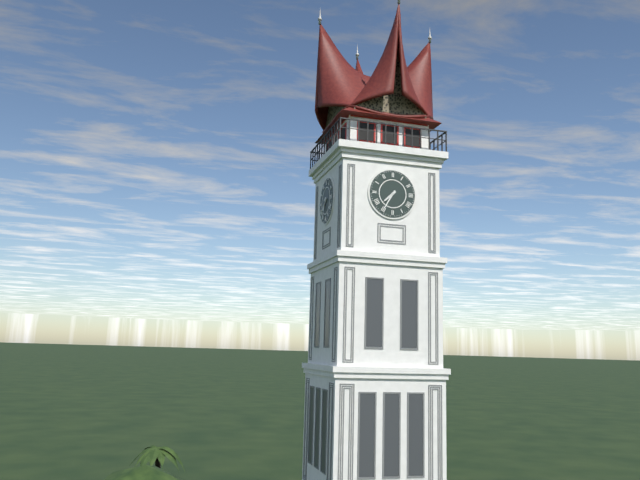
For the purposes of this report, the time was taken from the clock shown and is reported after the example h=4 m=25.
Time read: h=7 m=35
